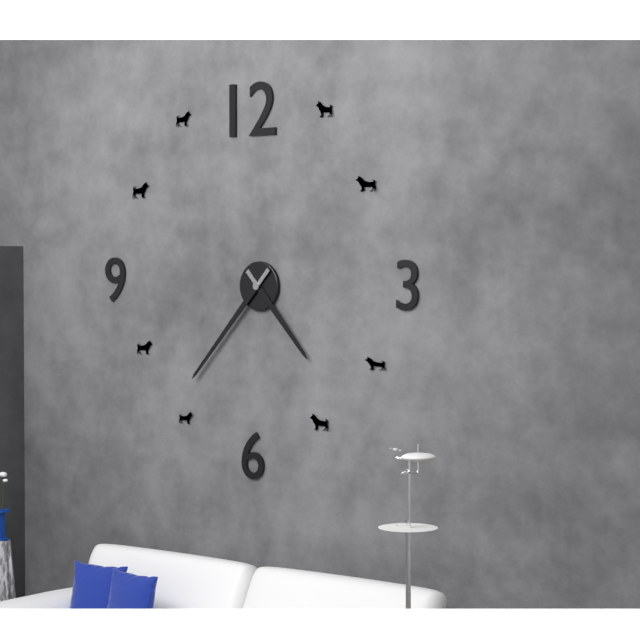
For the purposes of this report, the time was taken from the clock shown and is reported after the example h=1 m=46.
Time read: h=4 m=37
